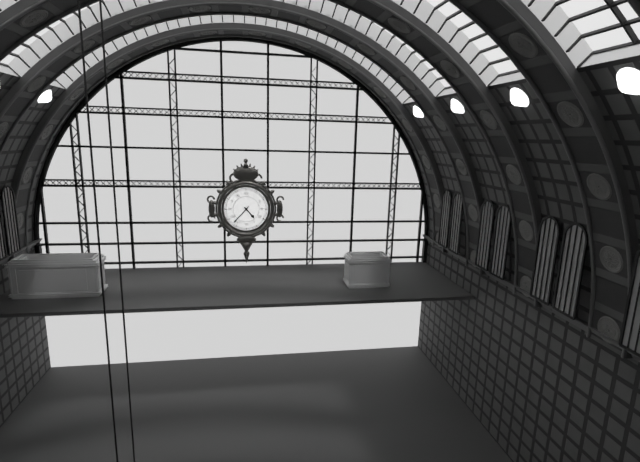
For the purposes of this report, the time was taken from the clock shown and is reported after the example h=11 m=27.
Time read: h=4 m=37
